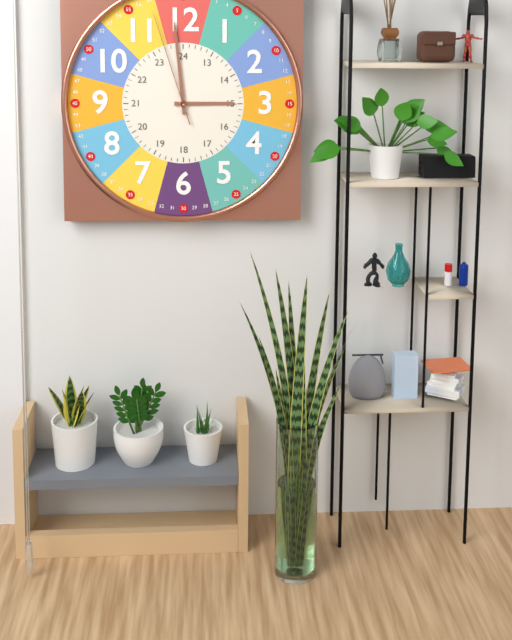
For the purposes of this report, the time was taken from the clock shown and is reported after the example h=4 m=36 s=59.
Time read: h=2 m=59 s=57
